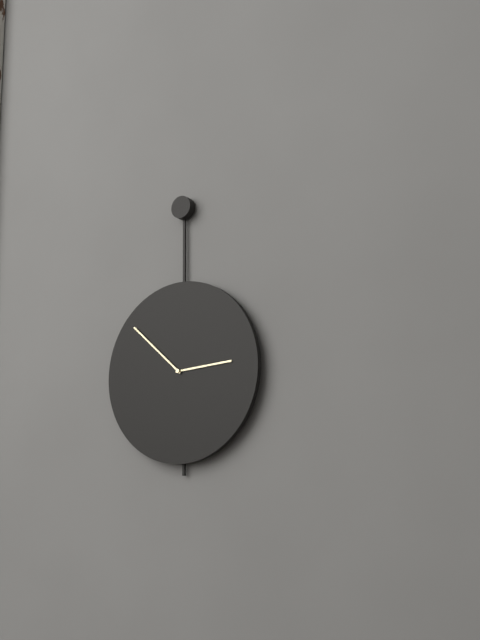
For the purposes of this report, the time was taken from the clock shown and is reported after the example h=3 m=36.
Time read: h=2 m=52
